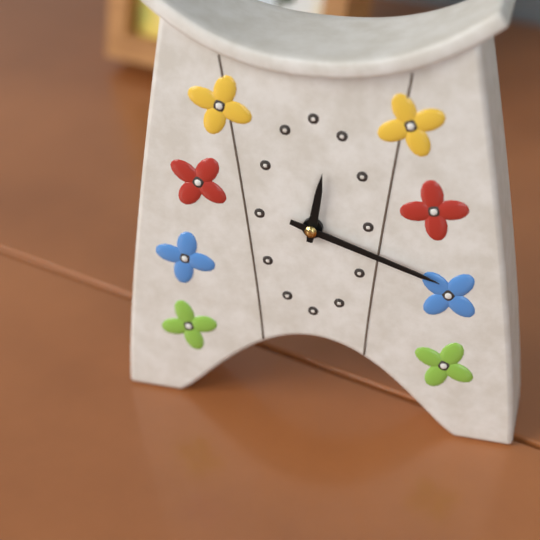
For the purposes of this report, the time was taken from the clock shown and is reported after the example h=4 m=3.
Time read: h=12 m=18
